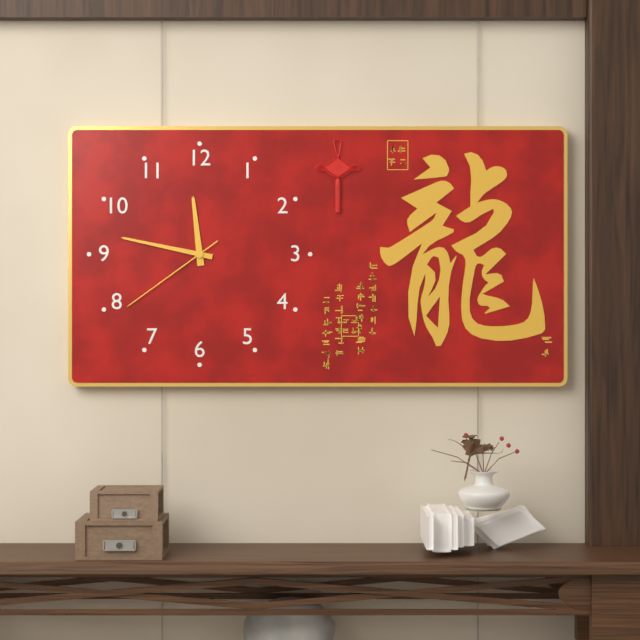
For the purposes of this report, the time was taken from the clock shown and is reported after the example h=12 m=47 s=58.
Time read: h=11 m=47 s=39
